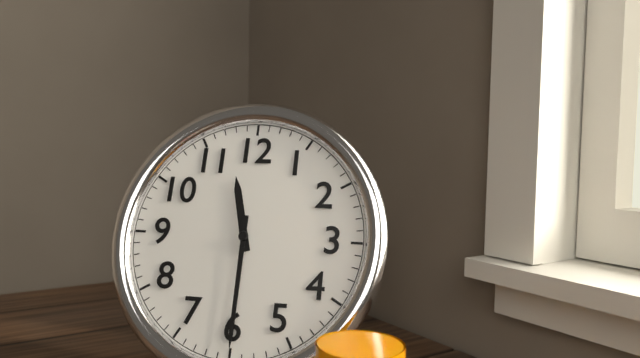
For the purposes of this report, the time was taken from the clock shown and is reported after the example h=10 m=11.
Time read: h=11 m=30
